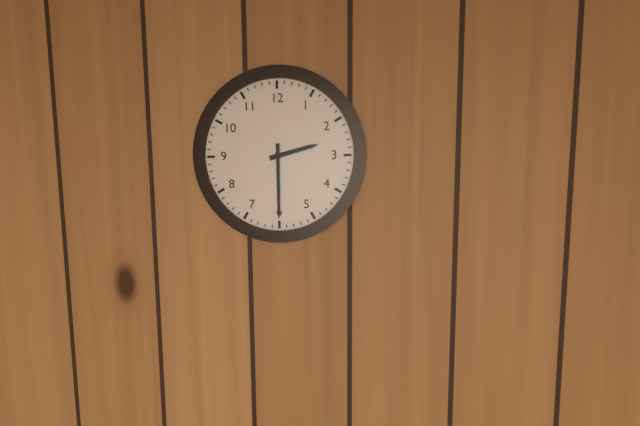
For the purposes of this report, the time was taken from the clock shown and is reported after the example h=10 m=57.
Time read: h=2 m=30
